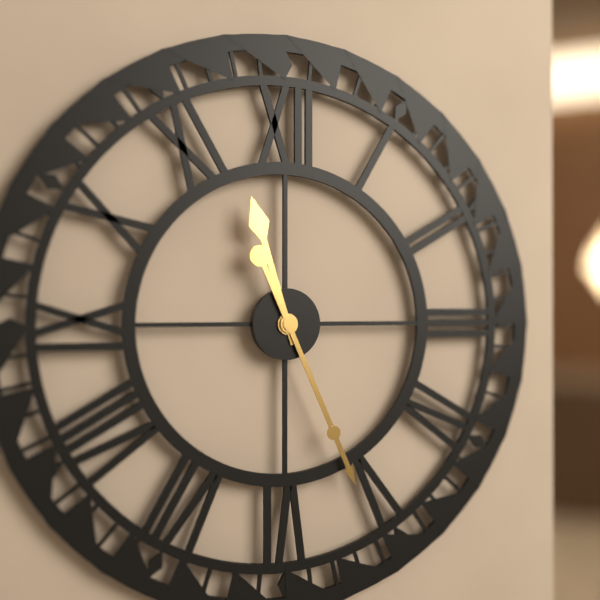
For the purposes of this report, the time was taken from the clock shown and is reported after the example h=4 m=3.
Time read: h=11 m=26
